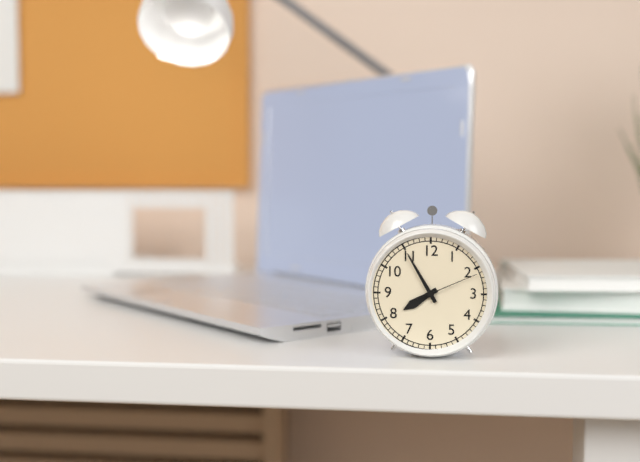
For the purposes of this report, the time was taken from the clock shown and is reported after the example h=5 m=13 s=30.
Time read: h=7 m=55 s=11
